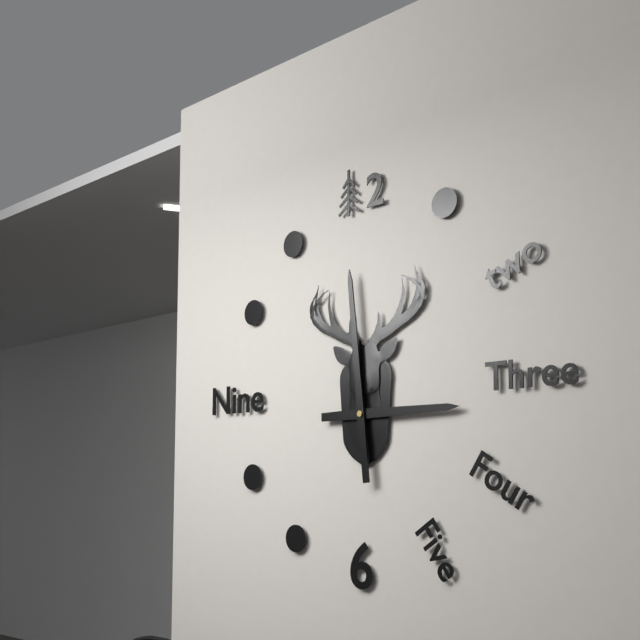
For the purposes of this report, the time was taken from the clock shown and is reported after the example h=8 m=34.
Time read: h=2 m=59
